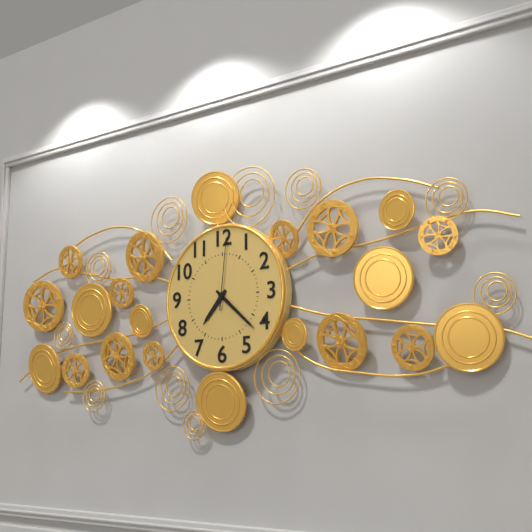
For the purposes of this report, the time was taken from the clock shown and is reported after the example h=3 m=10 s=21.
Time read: h=7 m=22 s=1
